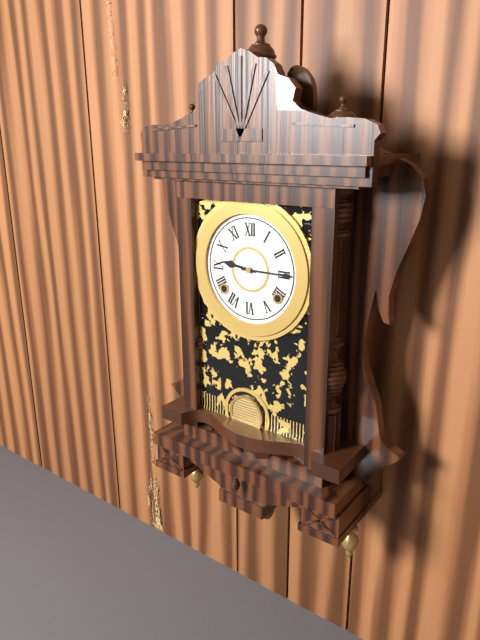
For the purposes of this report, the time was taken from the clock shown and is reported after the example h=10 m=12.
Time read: h=9 m=15
